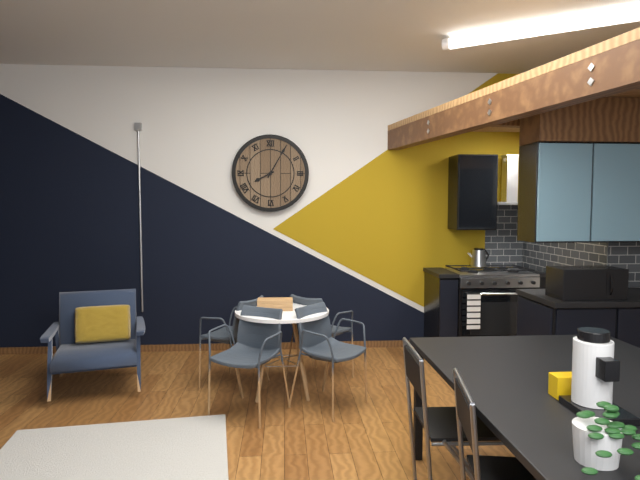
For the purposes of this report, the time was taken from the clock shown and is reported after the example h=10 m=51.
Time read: h=8 m=5
